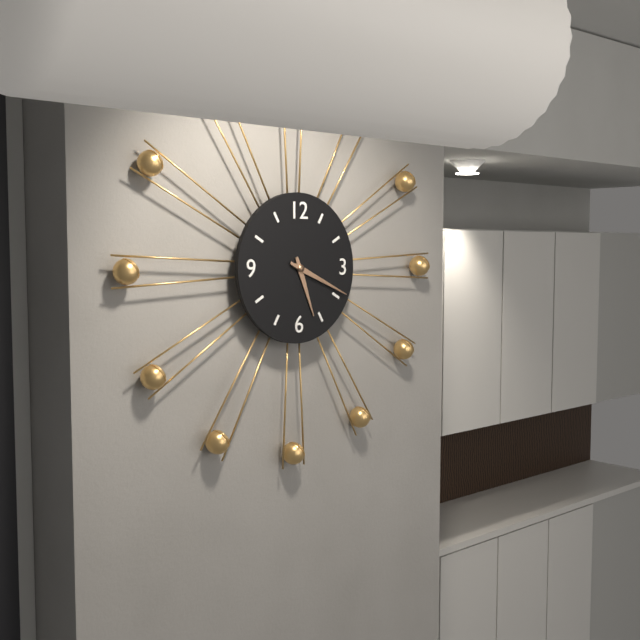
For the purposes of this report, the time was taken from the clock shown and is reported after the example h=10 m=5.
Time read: h=5 m=19
